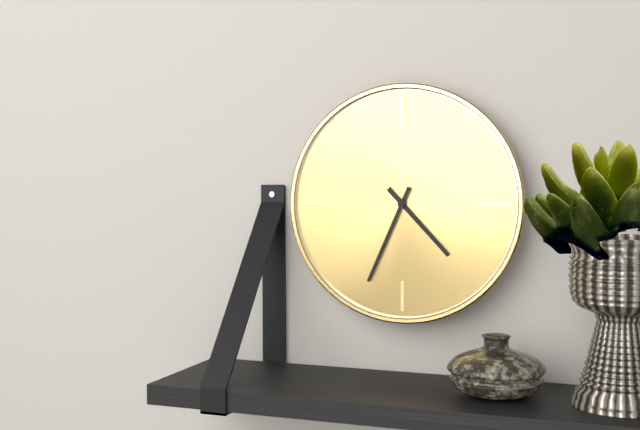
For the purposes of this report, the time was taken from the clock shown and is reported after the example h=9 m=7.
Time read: h=4 m=34
